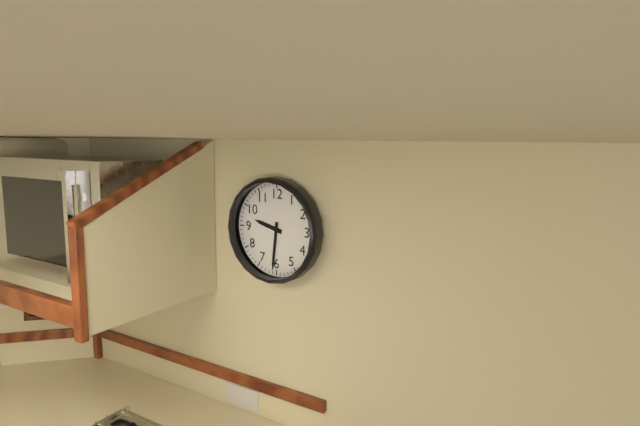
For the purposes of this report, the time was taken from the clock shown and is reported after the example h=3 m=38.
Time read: h=9 m=31
